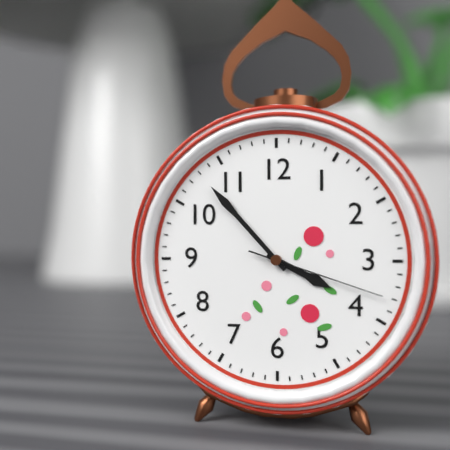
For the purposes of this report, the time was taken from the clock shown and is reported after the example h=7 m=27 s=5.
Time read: h=3 m=53 s=18
